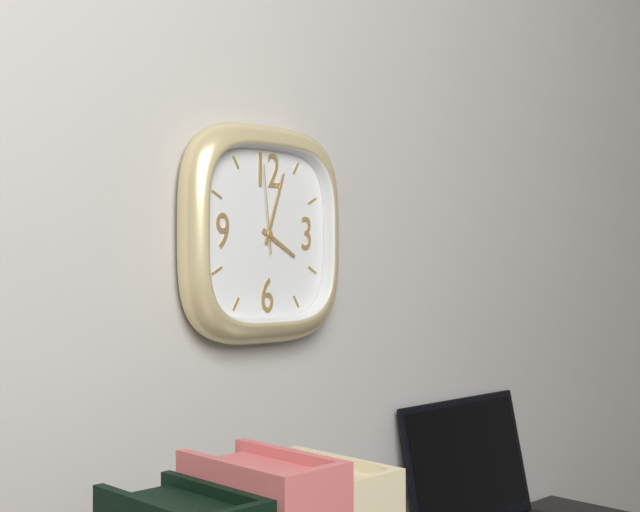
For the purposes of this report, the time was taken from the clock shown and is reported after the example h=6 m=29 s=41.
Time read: h=4 m=3 s=59
